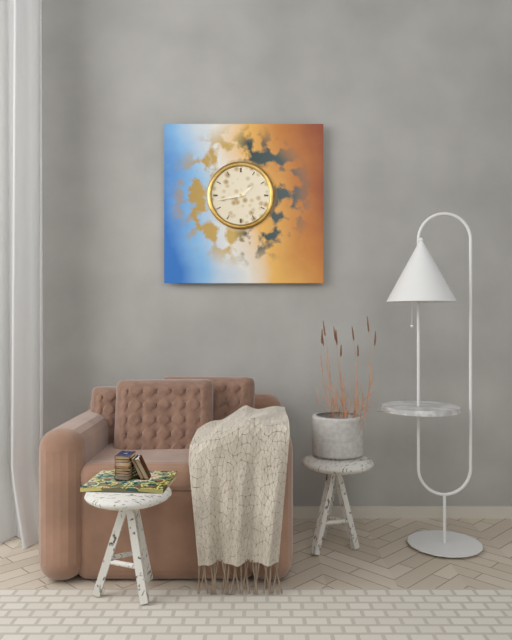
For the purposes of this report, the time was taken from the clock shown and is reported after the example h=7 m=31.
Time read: h=1 m=43
